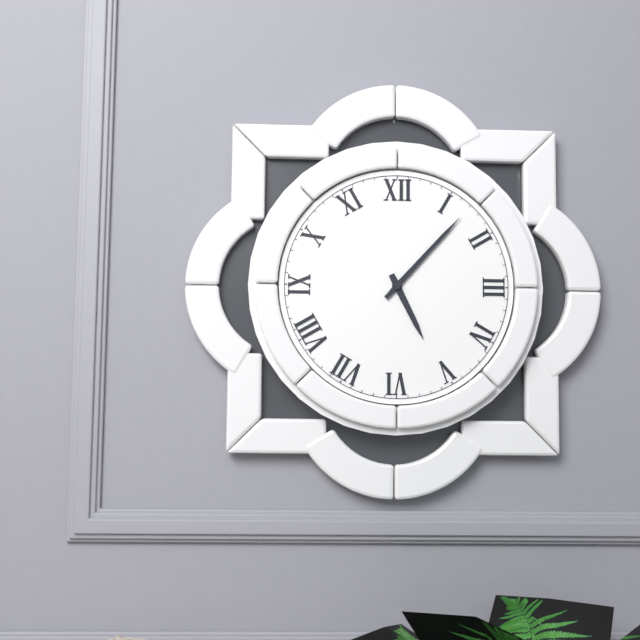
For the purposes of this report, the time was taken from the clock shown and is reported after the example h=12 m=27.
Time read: h=5 m=7
